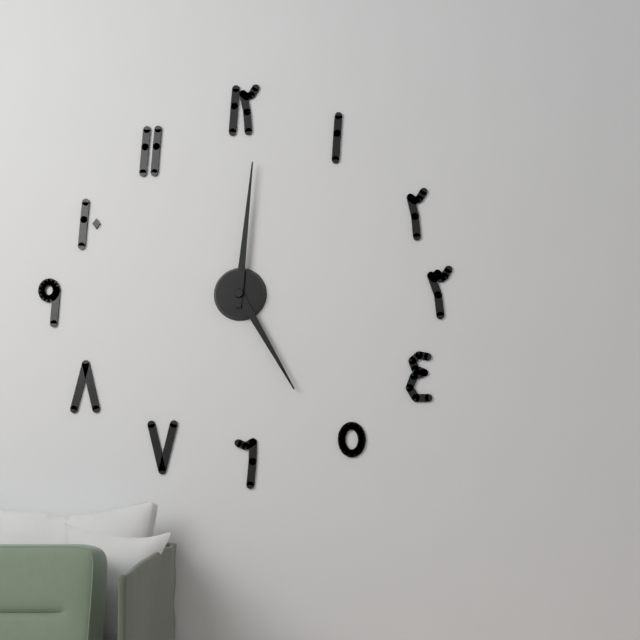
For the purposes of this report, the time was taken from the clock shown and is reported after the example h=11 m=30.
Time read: h=5 m=1
